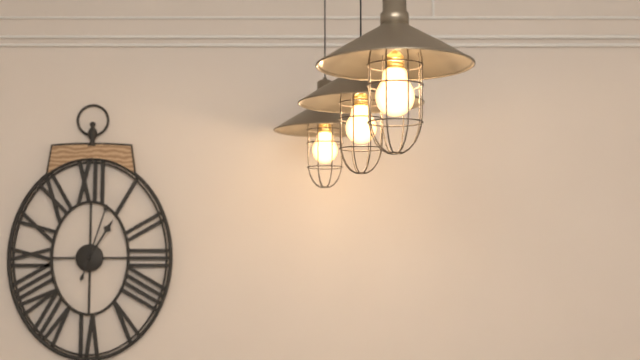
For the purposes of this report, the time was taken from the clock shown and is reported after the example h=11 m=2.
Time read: h=1 m=3
